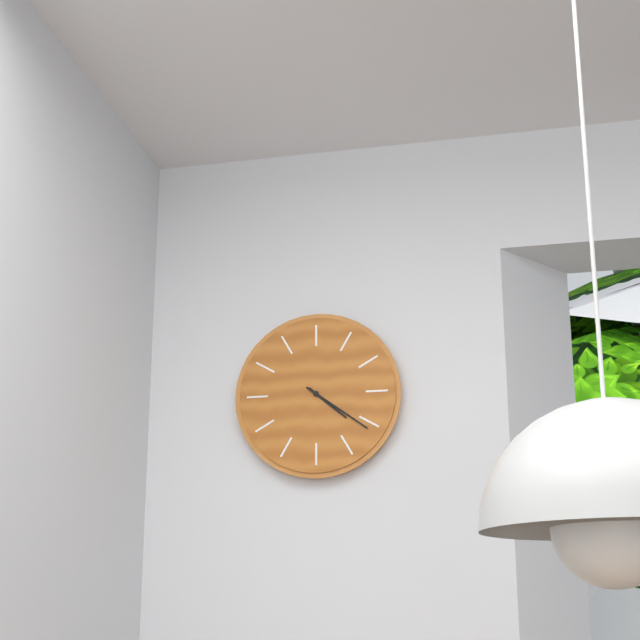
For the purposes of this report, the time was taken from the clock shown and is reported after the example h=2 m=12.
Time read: h=4 m=21
